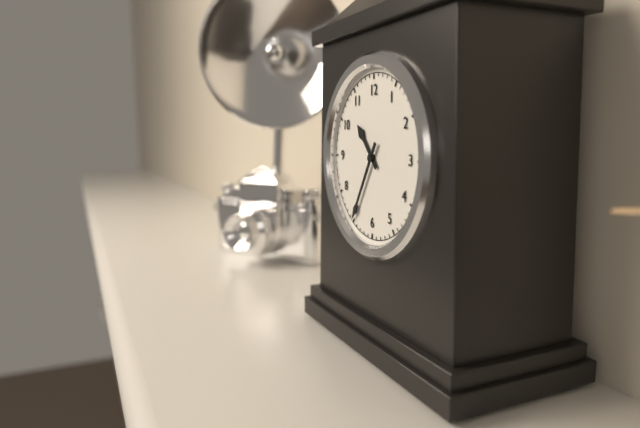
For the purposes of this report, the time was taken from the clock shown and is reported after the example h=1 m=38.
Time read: h=10 m=35
